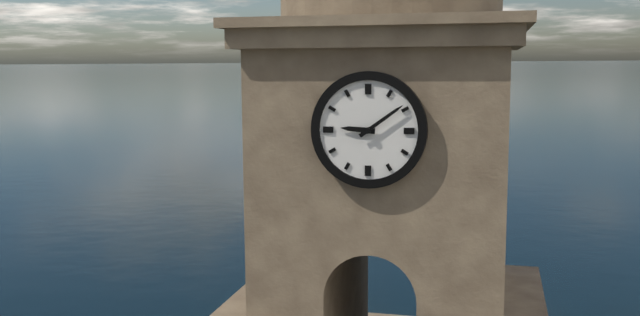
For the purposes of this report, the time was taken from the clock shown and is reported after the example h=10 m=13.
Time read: h=9 m=9
